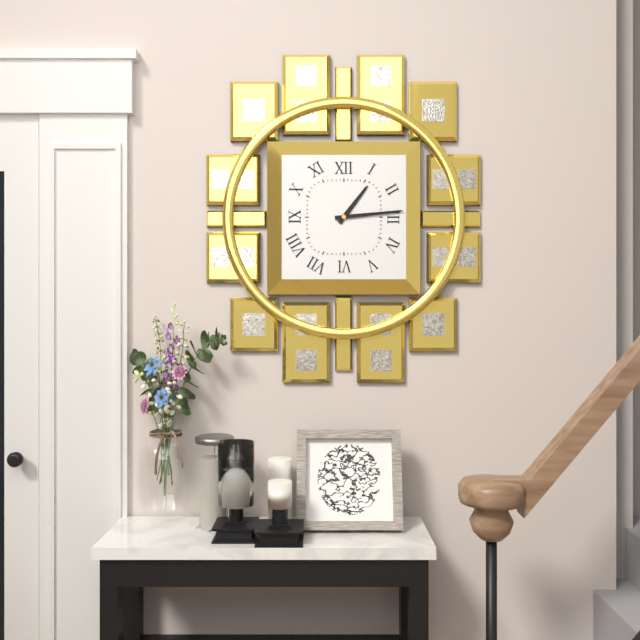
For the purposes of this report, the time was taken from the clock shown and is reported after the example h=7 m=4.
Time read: h=1 m=14
